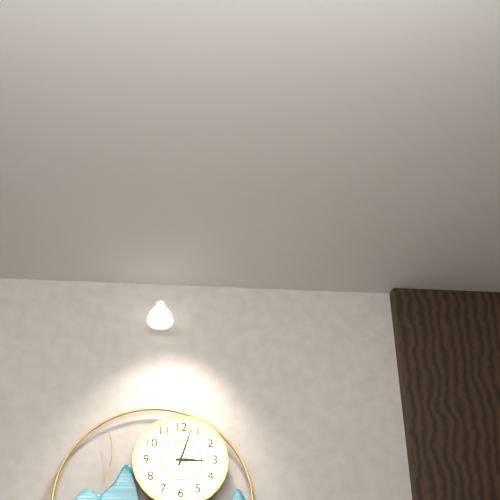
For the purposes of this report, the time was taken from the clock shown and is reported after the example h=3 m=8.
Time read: h=3 m=3
